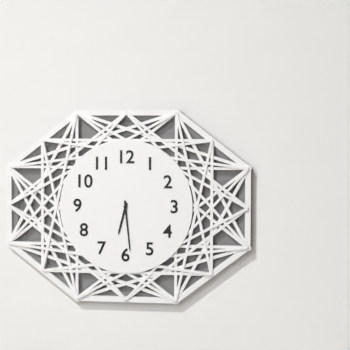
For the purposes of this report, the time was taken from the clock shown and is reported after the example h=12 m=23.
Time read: h=6 m=29
